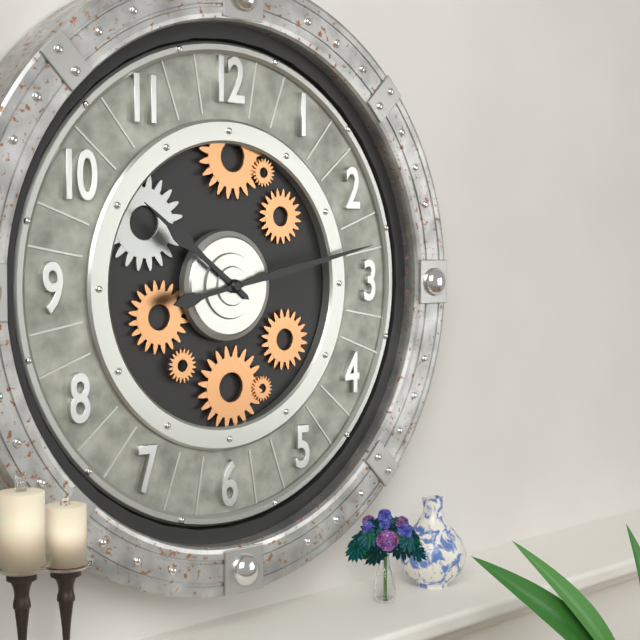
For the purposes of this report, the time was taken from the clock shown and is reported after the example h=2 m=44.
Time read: h=10 m=13
